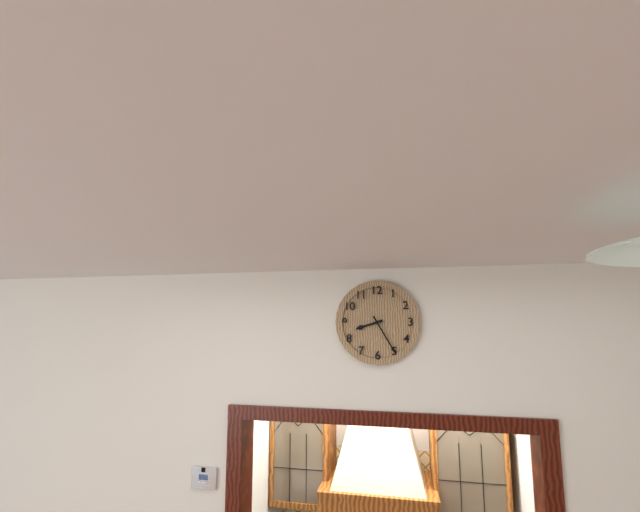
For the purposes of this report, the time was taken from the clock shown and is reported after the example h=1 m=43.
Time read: h=8 m=25
